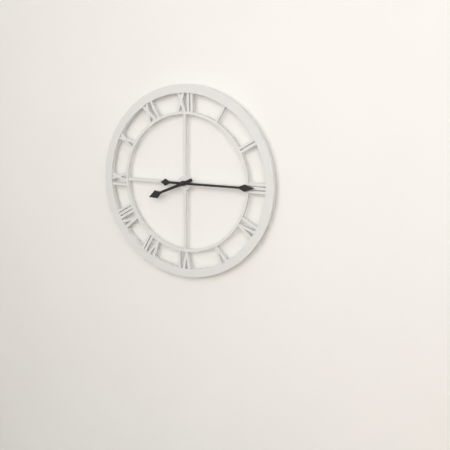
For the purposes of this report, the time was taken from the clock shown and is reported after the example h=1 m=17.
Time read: h=8 m=15
